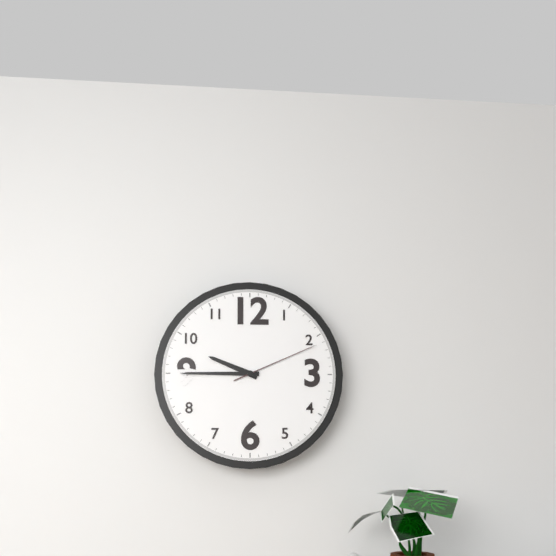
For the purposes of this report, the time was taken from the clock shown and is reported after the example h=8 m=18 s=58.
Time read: h=9 m=45 s=11
